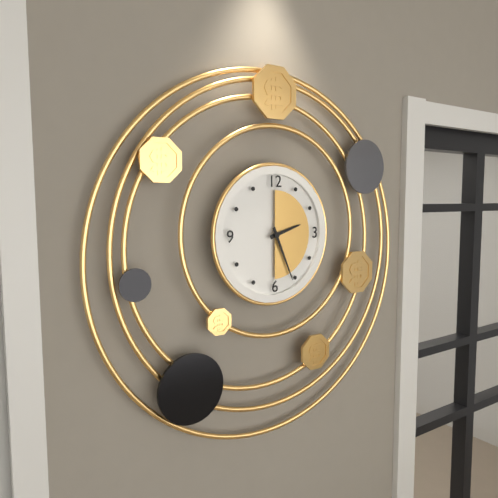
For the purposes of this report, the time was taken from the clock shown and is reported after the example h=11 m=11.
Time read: h=2 m=26
